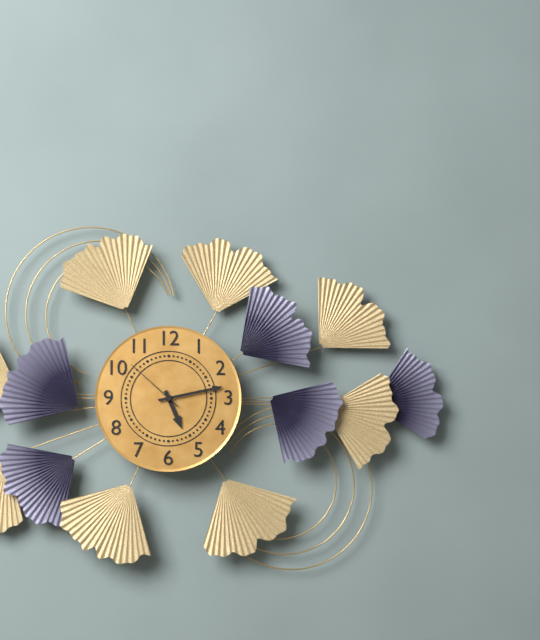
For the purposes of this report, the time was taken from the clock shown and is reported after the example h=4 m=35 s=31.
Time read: h=5 m=13 s=52
